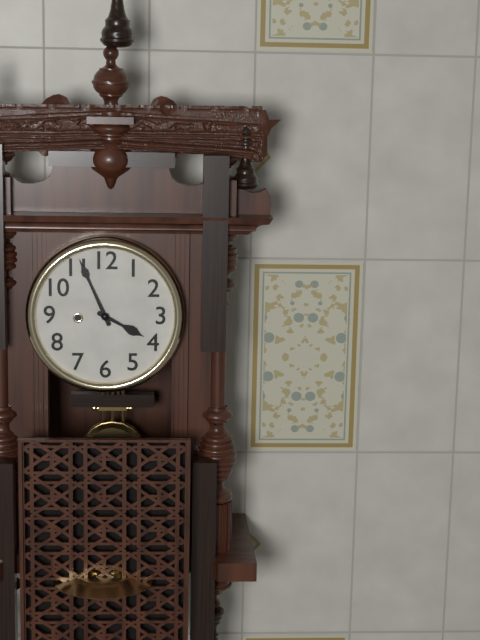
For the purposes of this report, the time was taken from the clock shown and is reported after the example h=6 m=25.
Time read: h=3 m=56
